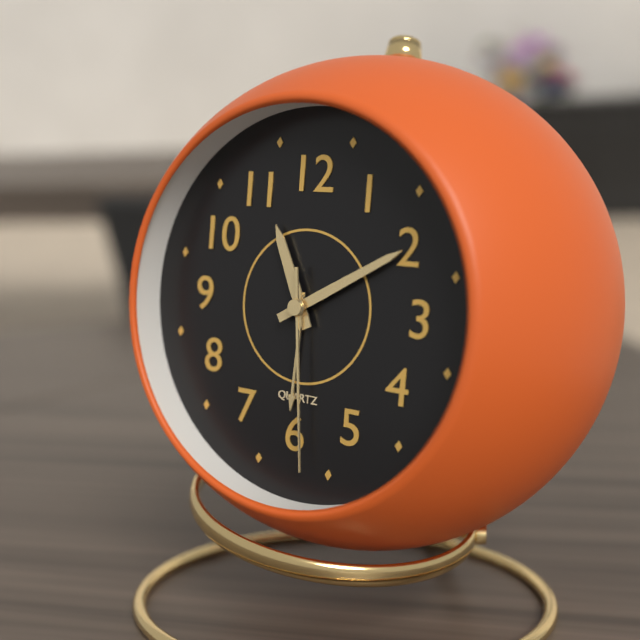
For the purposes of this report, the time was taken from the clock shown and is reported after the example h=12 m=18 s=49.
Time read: h=11 m=10 s=29
